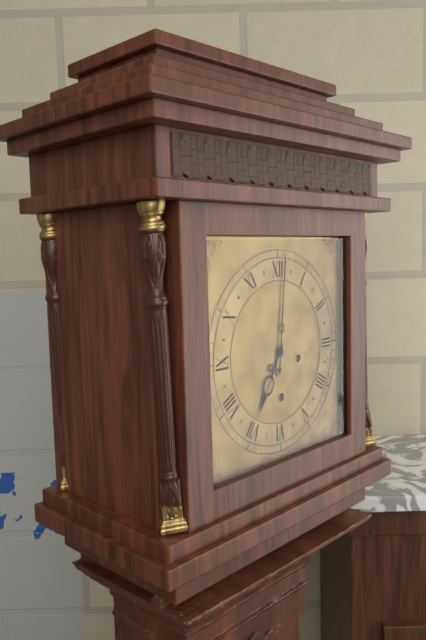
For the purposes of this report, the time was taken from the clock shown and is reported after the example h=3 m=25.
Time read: h=7 m=1
